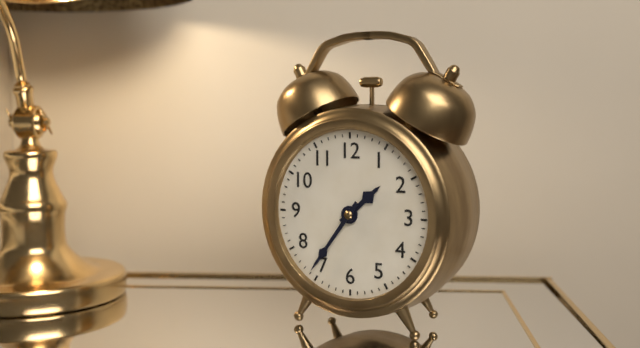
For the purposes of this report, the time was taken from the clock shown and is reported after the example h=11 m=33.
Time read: h=1 m=36
